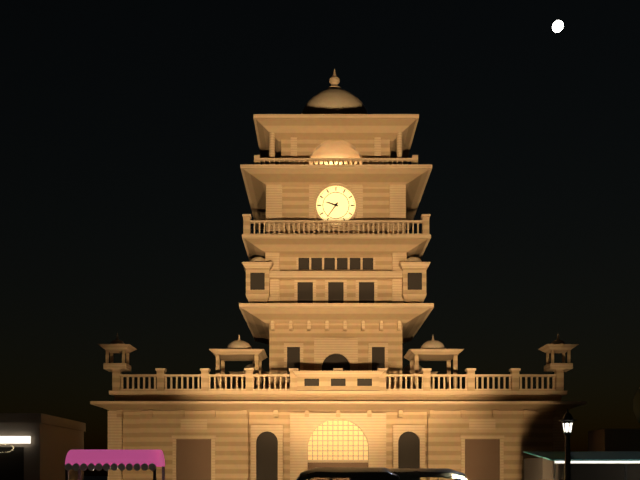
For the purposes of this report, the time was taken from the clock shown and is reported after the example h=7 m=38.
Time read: h=9 m=36
